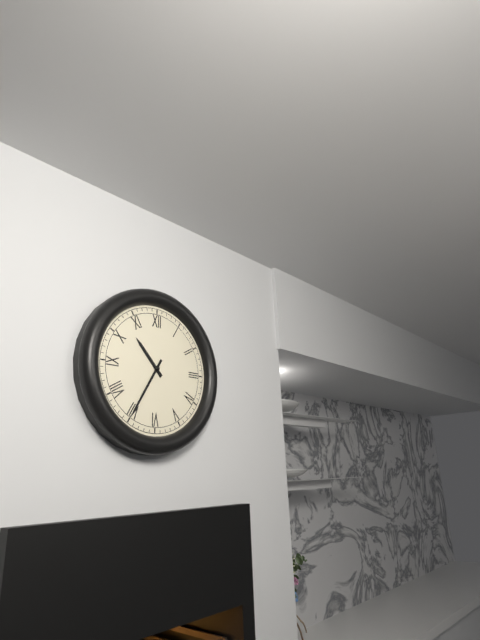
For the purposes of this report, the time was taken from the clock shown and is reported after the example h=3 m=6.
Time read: h=10 m=35
